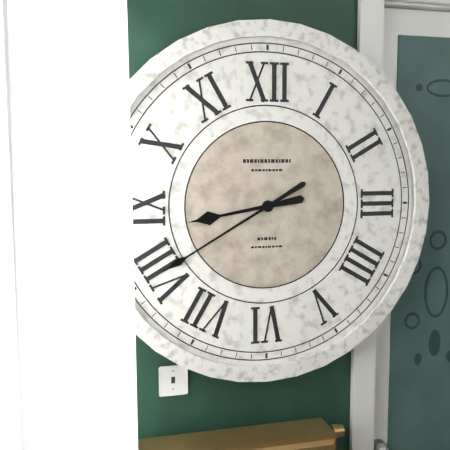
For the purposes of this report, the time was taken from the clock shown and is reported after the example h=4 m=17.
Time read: h=8 m=40
